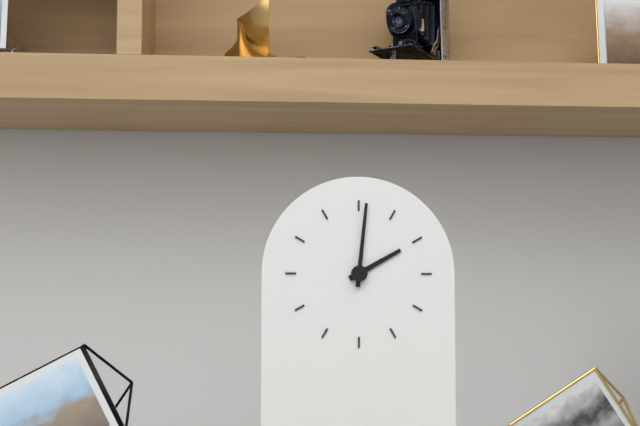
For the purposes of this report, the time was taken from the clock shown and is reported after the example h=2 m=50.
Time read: h=2 m=1
